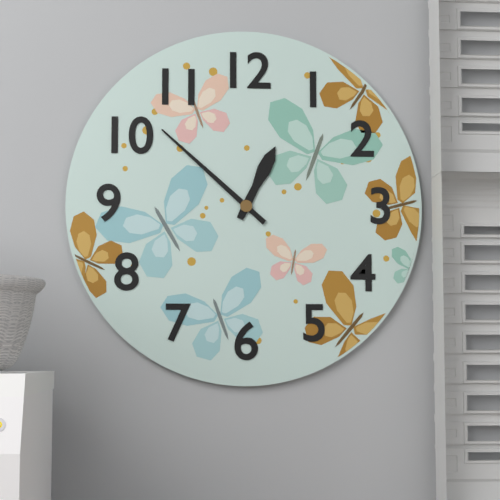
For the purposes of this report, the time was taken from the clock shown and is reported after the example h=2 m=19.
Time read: h=12 m=52
